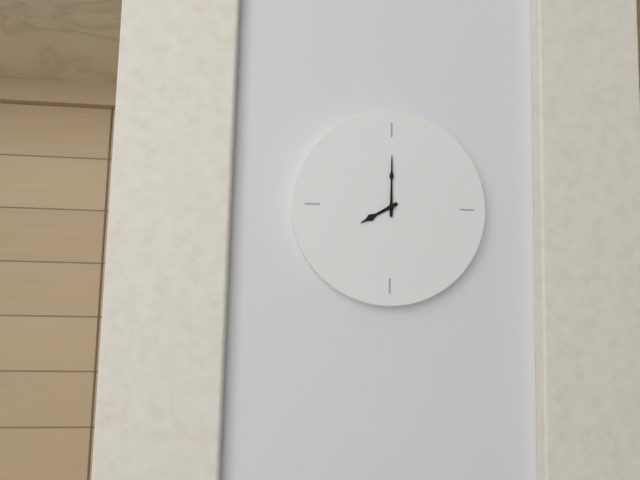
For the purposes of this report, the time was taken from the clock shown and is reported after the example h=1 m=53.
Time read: h=8 m=0
